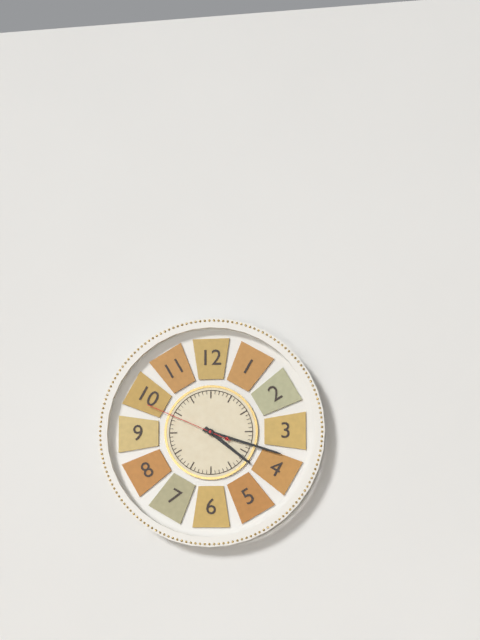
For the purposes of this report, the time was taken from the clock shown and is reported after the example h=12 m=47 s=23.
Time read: h=4 m=18 s=49
